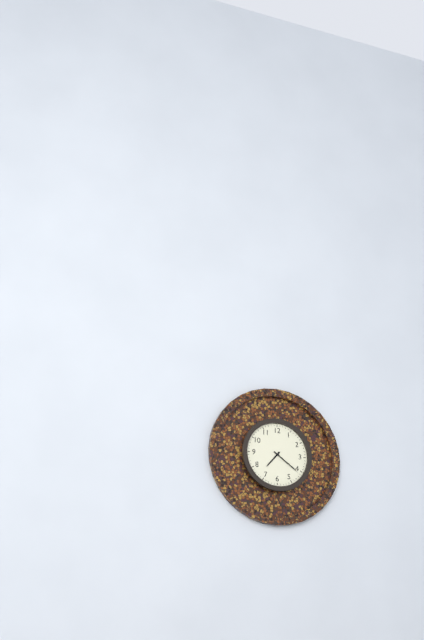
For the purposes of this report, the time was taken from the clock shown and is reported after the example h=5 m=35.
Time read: h=7 m=21
